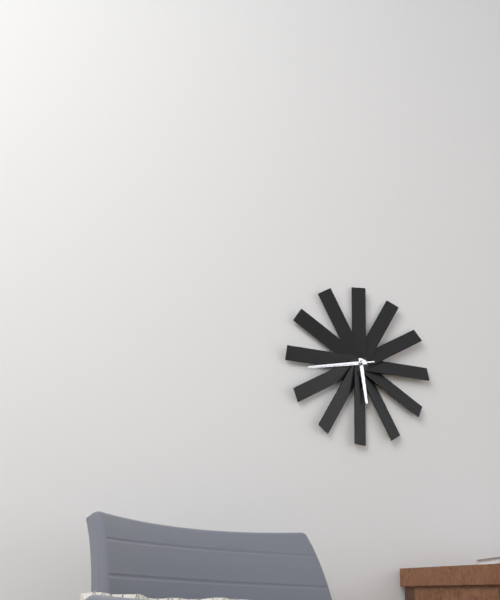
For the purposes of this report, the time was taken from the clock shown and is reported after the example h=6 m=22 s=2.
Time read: h=5 m=43 s=43
